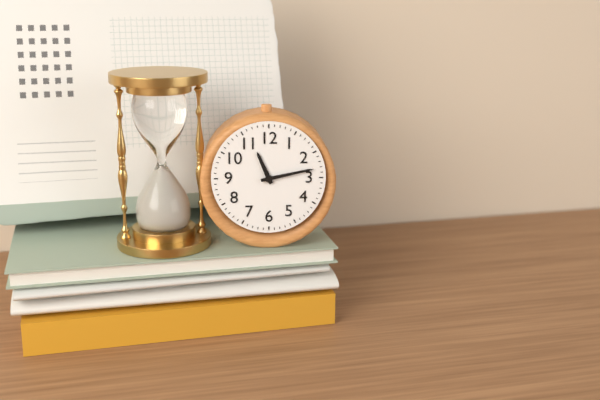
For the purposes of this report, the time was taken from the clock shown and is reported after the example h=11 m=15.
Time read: h=11 m=13
